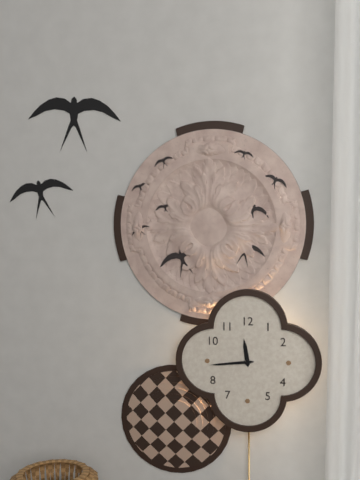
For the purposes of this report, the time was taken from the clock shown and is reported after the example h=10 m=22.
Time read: h=11 m=44
